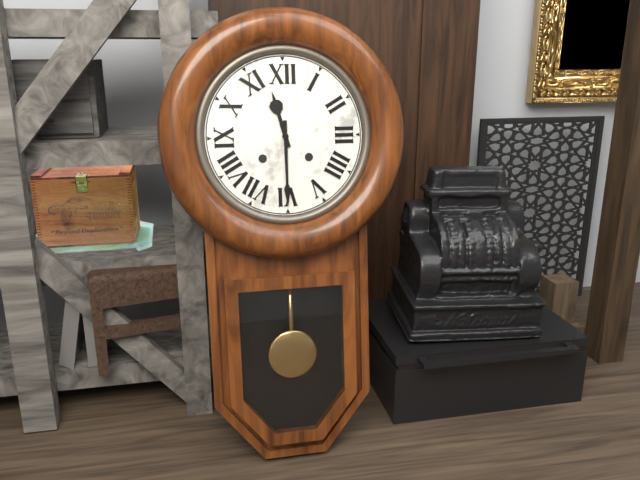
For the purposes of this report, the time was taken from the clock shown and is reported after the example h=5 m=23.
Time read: h=11 m=30
